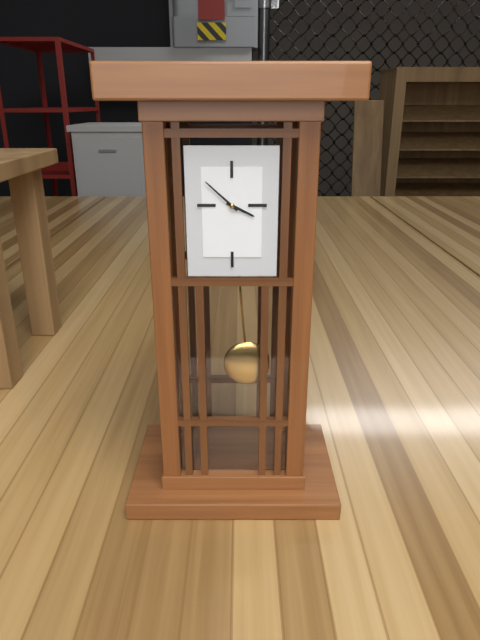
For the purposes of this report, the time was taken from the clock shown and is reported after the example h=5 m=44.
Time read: h=3 m=52
